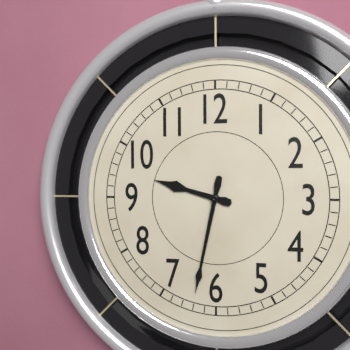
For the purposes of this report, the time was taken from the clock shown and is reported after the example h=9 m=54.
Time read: h=9 m=32
